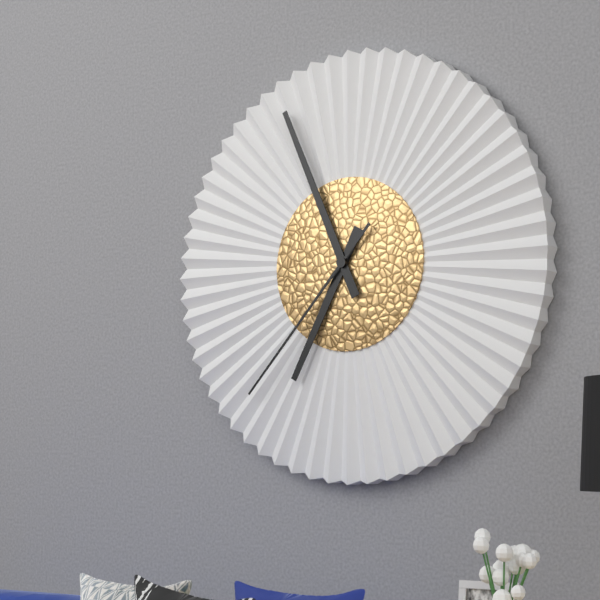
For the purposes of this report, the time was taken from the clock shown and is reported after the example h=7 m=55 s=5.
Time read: h=6 m=56 s=37
